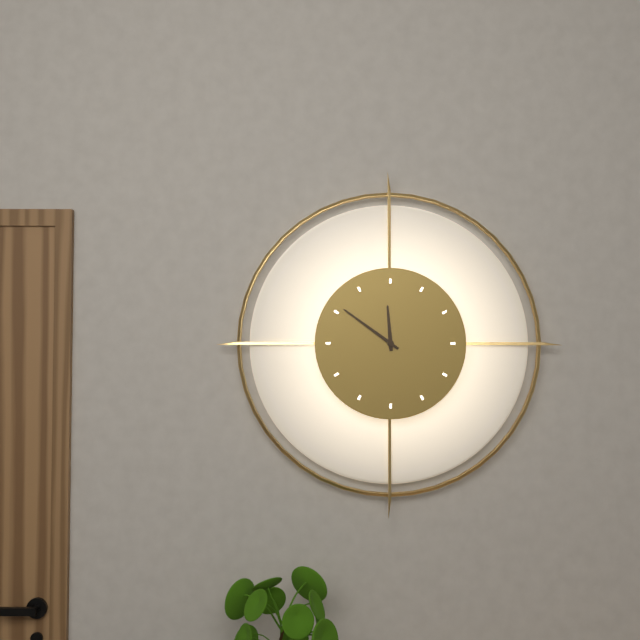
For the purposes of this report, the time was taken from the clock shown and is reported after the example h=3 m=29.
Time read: h=11 m=51
